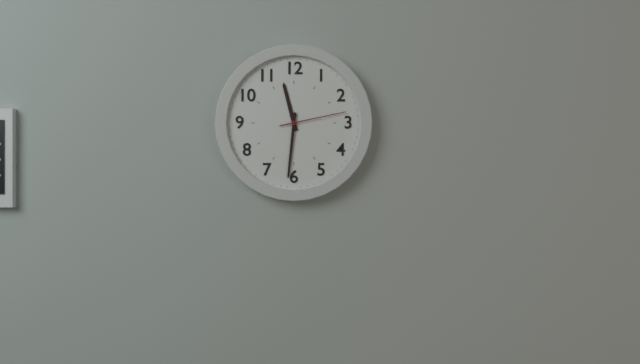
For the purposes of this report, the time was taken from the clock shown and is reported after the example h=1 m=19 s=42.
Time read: h=11 m=31 s=13
